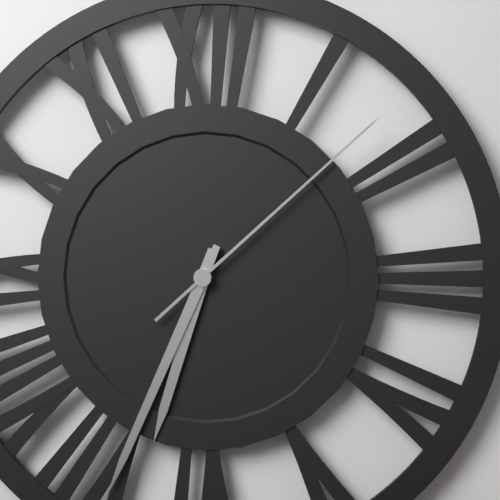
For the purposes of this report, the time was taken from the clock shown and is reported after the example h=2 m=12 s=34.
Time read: h=6 m=34 s=8
